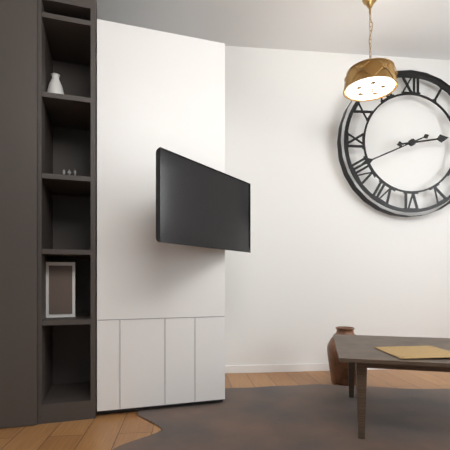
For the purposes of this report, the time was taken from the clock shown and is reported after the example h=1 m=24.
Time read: h=2 m=41
